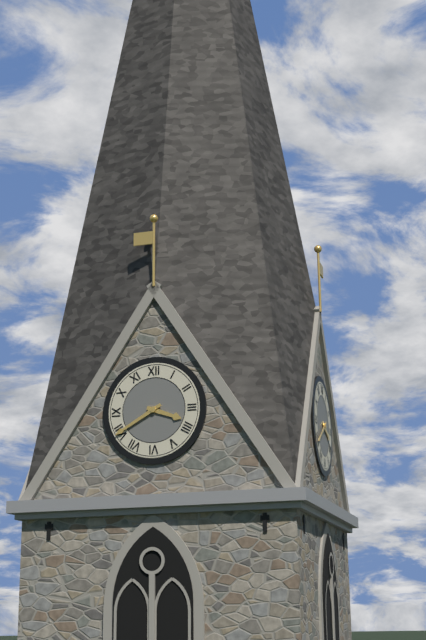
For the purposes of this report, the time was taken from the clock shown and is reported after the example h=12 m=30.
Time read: h=3 m=40
